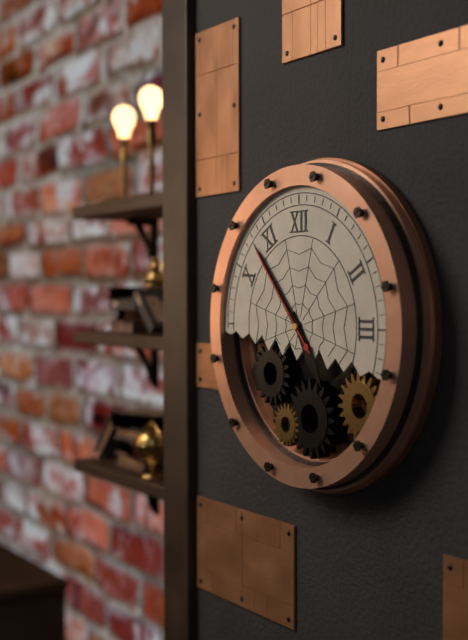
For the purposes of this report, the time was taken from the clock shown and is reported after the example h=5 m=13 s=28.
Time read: h=4 m=53 s=53
